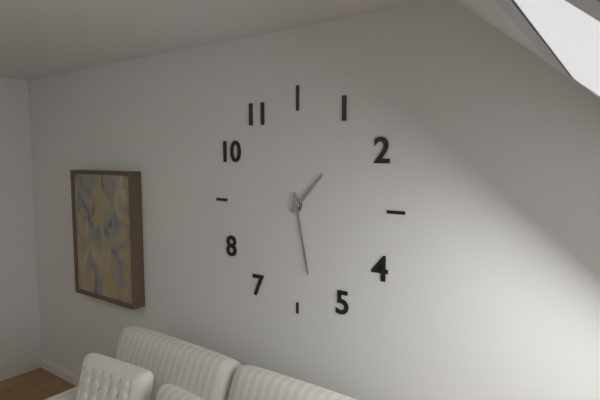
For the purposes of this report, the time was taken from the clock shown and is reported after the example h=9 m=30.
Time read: h=1 m=28
